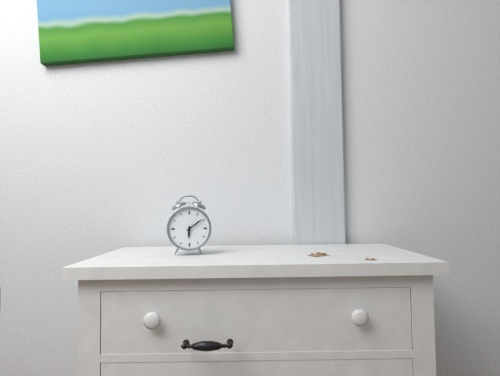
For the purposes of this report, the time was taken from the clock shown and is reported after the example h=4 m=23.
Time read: h=6 m=9
